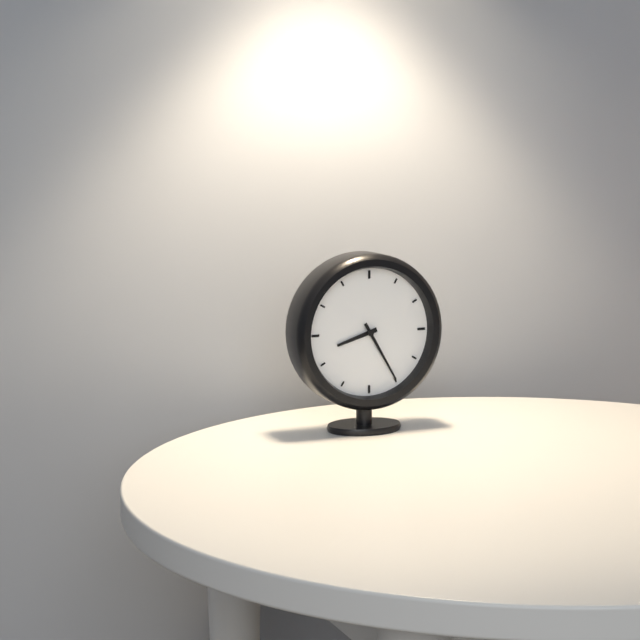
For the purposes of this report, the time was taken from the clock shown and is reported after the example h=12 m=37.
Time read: h=8 m=25
